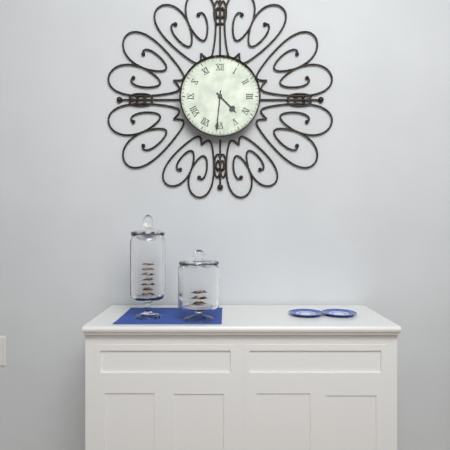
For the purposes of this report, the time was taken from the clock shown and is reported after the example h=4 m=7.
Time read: h=4 m=31
